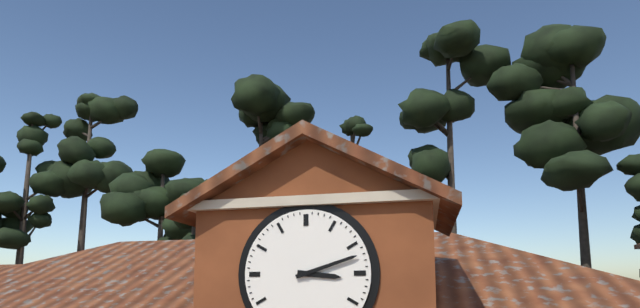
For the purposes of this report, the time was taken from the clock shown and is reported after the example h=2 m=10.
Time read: h=3 m=12
